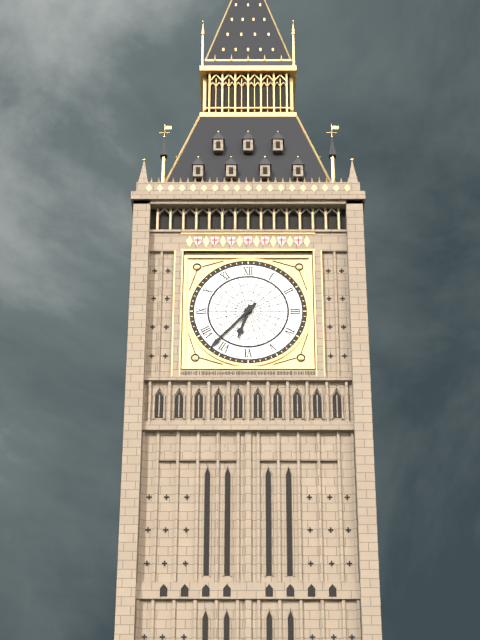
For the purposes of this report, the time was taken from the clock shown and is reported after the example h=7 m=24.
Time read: h=6 m=37
